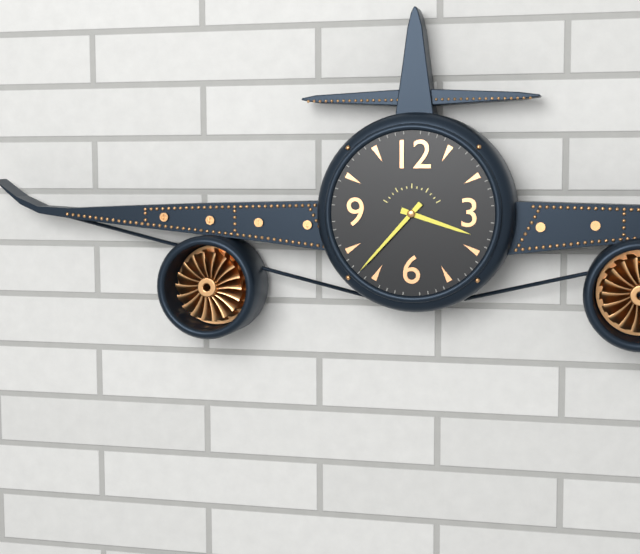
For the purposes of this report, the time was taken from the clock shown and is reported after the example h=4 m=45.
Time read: h=3 m=37
